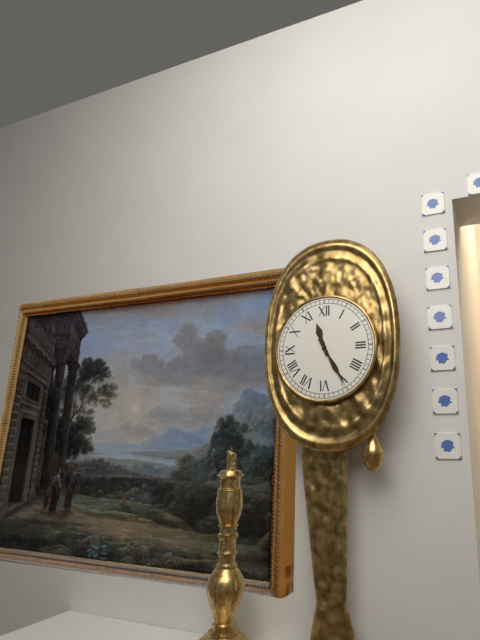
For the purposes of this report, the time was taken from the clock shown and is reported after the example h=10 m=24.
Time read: h=11 m=25
